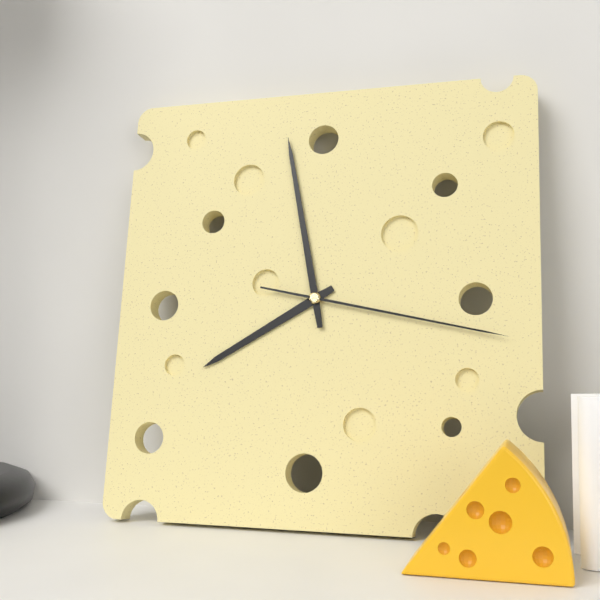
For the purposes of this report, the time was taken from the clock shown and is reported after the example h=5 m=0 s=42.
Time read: h=7 m=58 s=17
